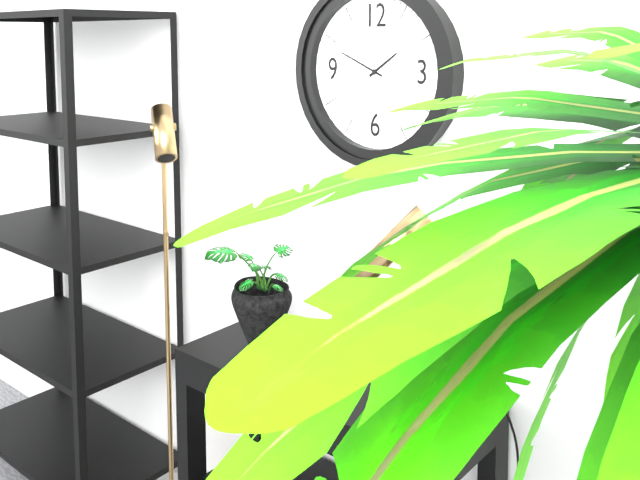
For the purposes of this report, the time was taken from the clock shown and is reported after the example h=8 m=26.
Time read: h=1 m=49
